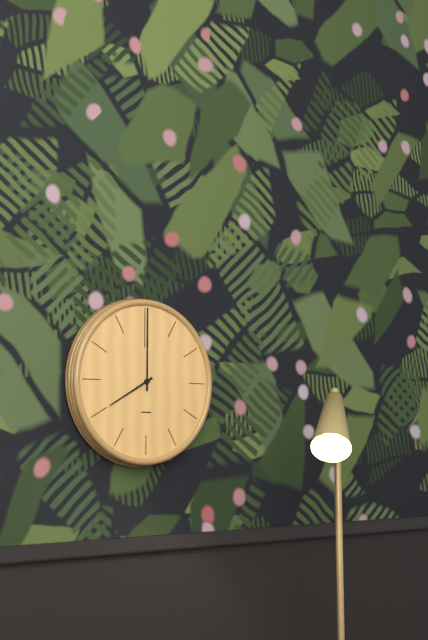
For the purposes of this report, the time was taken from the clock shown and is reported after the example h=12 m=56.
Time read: h=8 m=0
